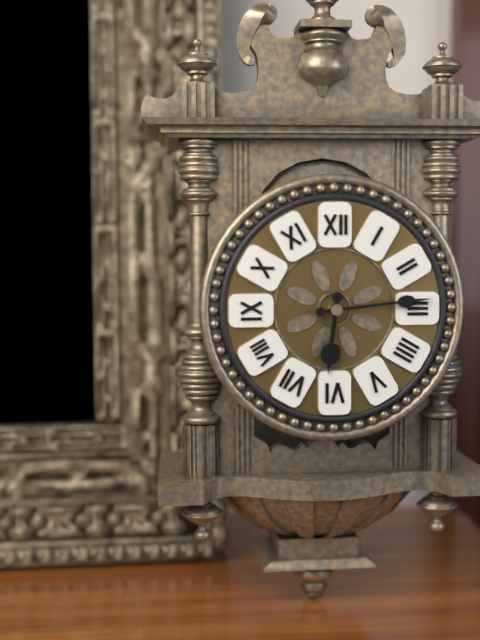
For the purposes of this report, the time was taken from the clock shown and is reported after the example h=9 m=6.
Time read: h=6 m=14
